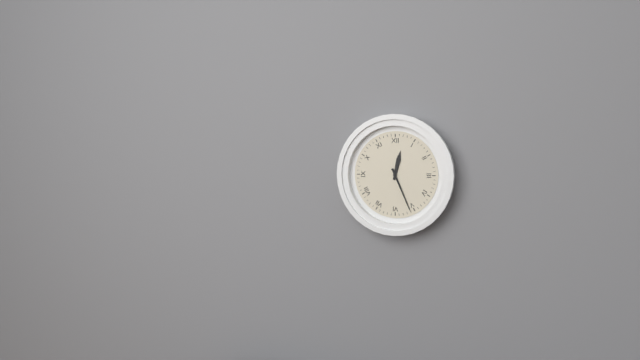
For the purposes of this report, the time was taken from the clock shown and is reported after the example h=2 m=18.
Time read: h=12 m=26
